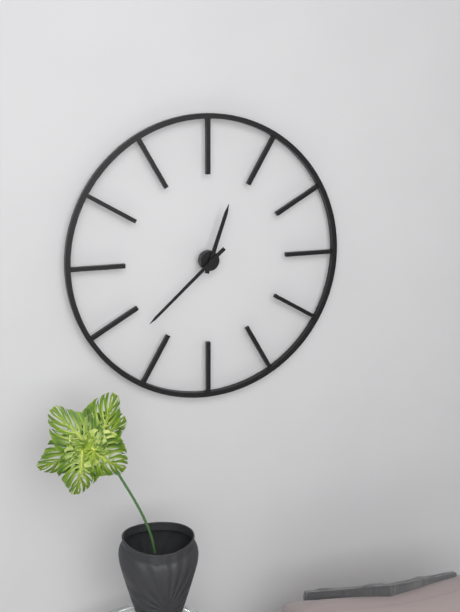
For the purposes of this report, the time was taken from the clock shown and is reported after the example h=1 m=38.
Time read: h=12 m=38
